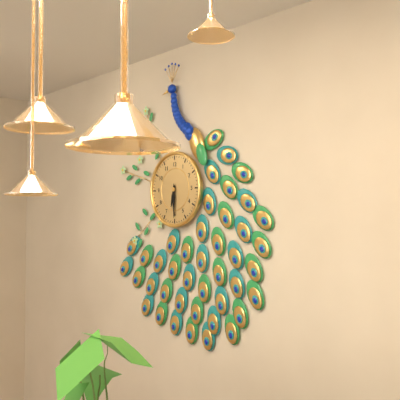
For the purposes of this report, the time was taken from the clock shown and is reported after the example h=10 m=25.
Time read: h=6 m=30
